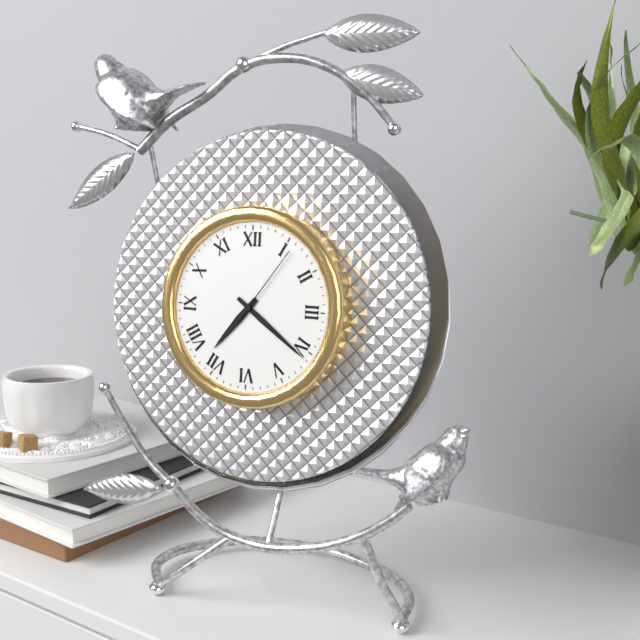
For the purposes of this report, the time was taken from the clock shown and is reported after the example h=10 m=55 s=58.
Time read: h=7 m=21 s=6
